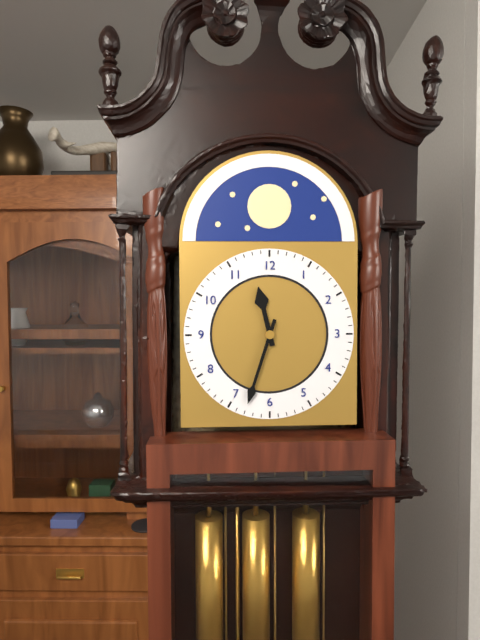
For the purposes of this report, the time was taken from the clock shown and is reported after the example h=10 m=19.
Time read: h=11 m=33
